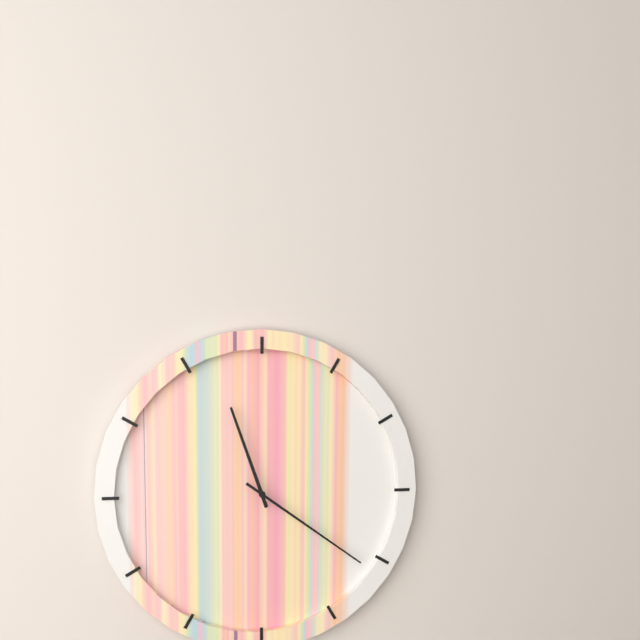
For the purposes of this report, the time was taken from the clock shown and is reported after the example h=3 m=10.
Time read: h=11 m=21
